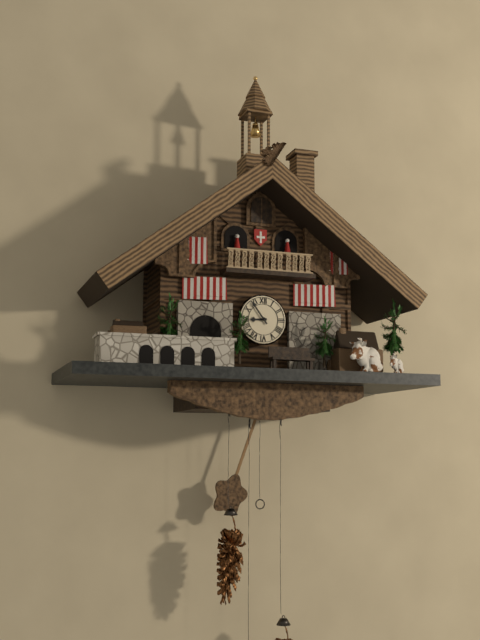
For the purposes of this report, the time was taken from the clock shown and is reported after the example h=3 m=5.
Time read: h=8 m=54
